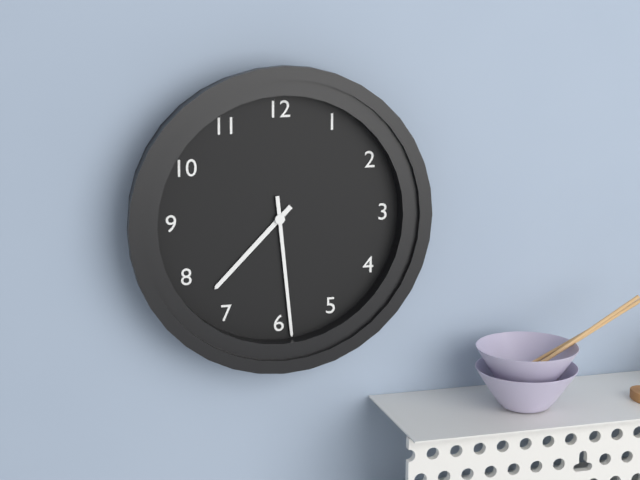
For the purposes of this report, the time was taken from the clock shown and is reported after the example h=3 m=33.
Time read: h=7 m=29
